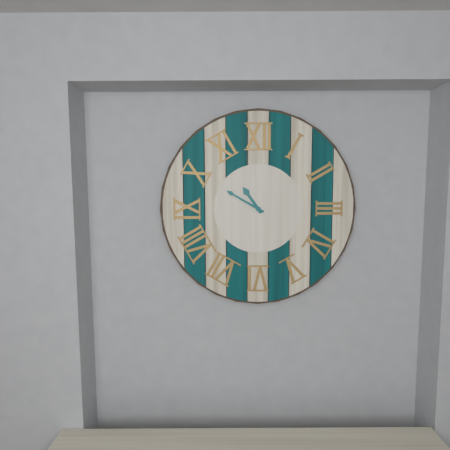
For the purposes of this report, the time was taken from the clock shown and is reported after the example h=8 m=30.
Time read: h=10 m=50
